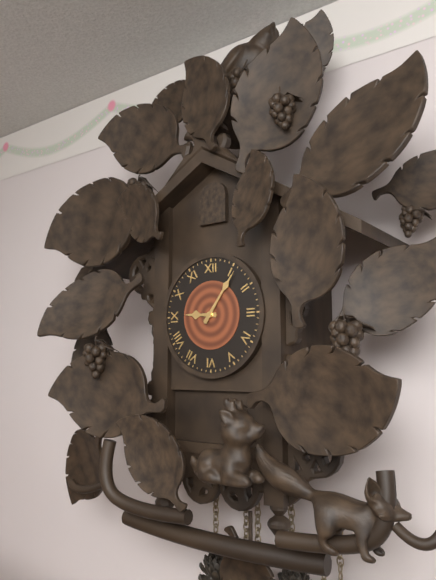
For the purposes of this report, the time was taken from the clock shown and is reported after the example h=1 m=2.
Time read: h=9 m=6
